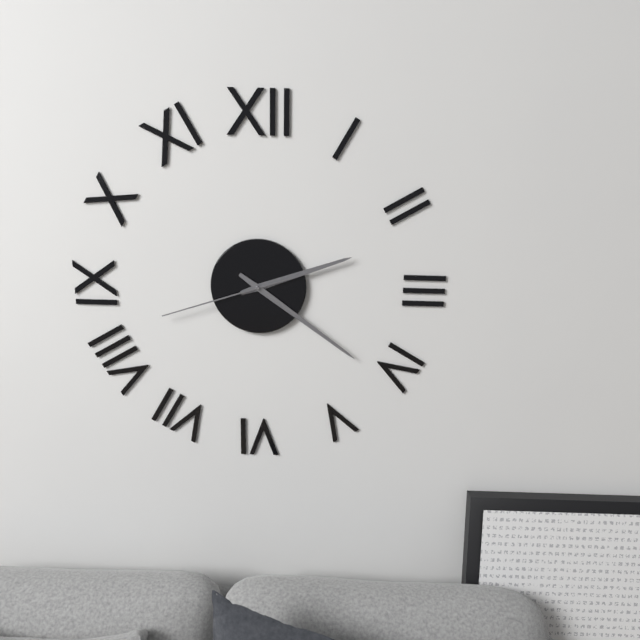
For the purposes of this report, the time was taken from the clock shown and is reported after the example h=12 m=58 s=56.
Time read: h=2 m=21 s=42
